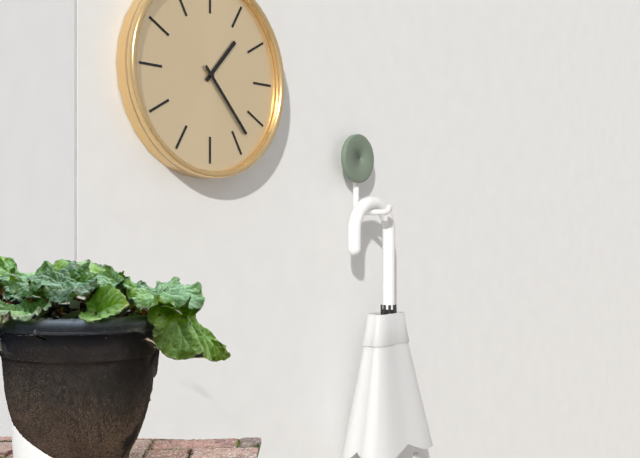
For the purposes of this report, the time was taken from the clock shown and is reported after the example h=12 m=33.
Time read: h=1 m=23
